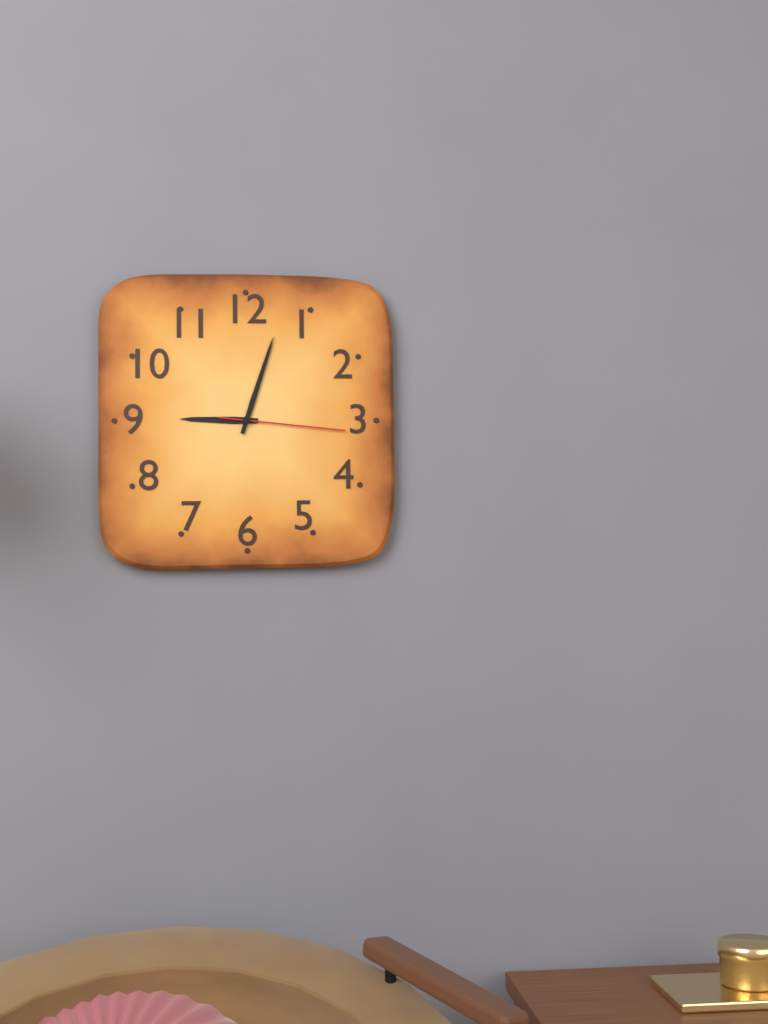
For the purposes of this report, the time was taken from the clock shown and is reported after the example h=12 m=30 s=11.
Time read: h=9 m=3 s=16
